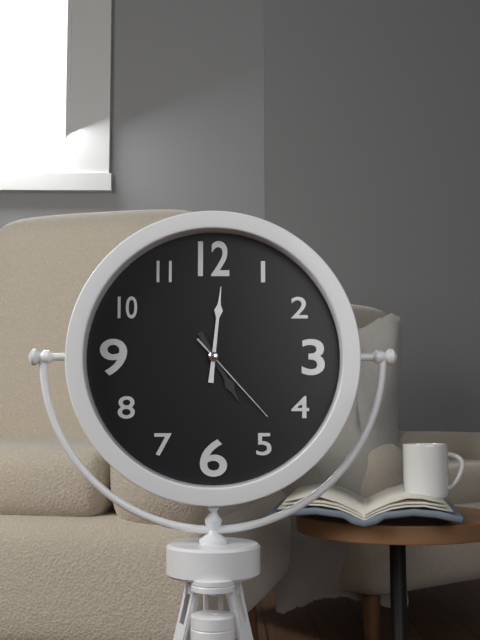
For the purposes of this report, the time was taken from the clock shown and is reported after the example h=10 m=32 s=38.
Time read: h=5 m=1 s=23
